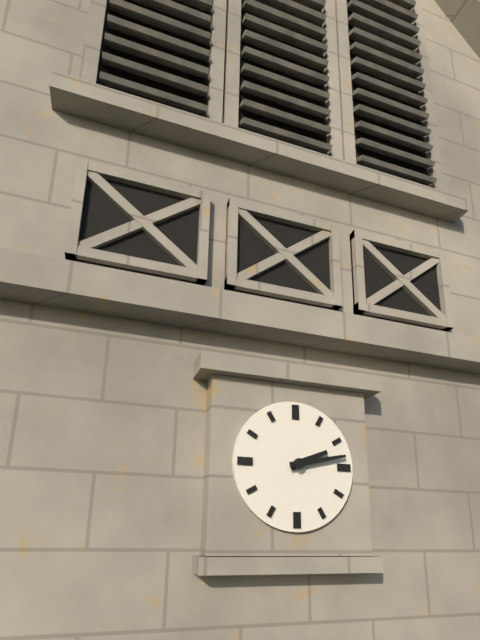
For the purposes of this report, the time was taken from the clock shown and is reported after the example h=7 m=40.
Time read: h=2 m=13
